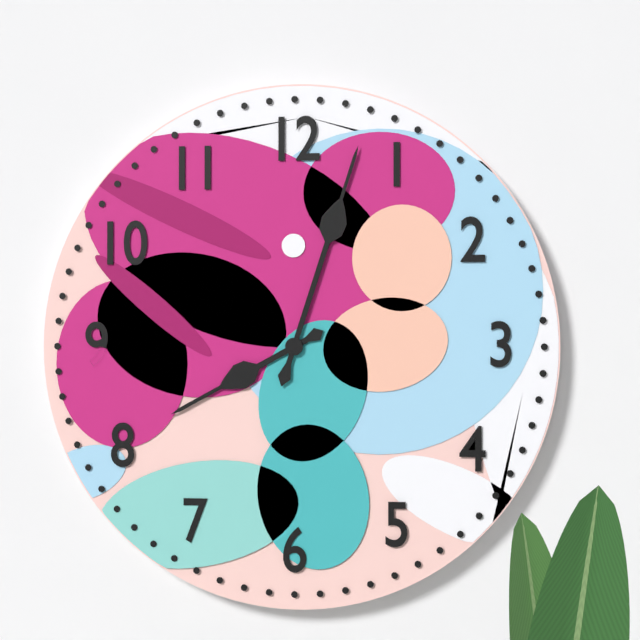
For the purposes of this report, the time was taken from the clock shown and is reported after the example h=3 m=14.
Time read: h=8 m=3
